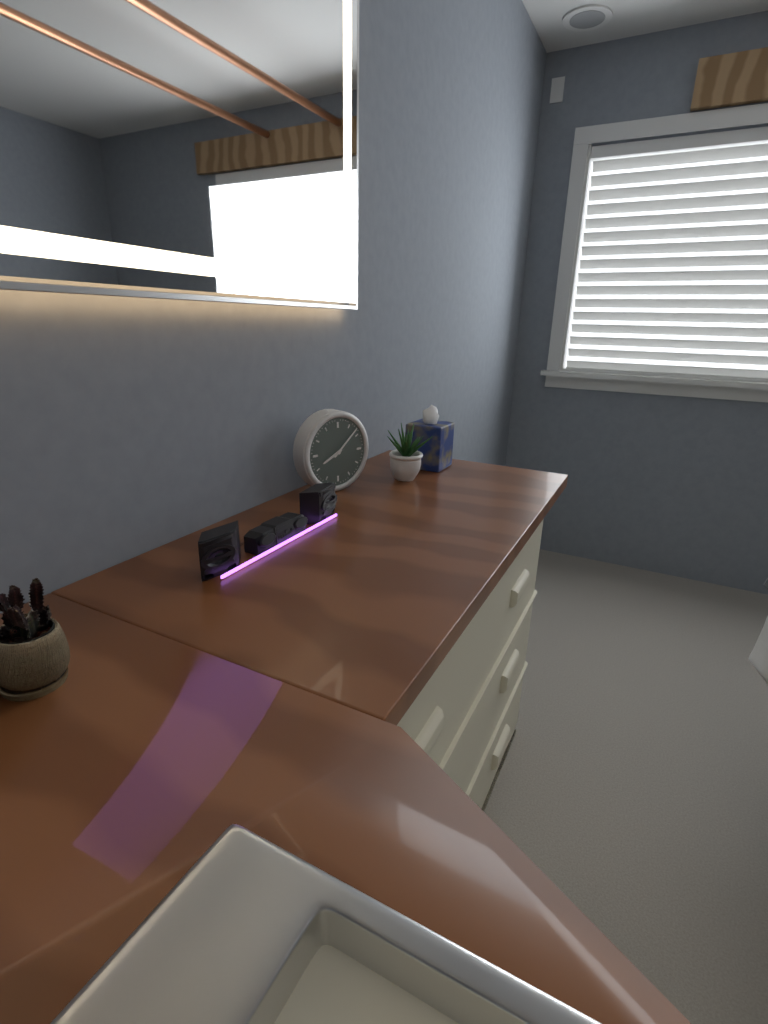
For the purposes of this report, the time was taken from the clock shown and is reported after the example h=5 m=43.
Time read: h=8 m=8
